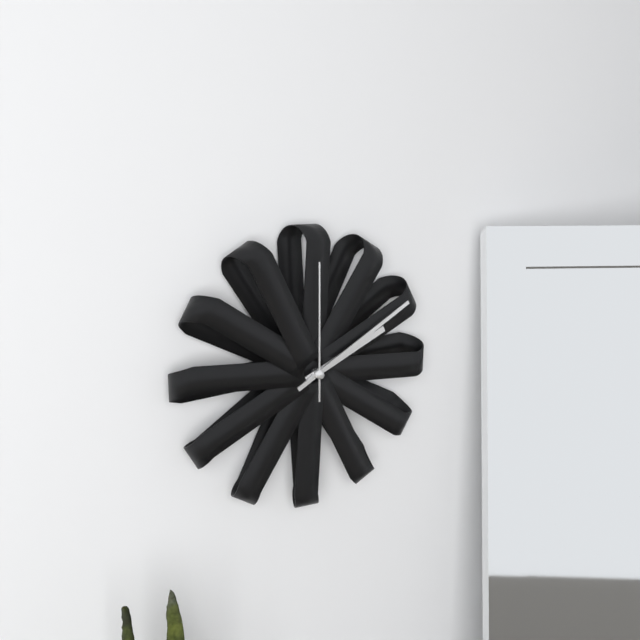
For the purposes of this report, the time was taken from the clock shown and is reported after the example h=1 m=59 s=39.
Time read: h=2 m=10 s=0
